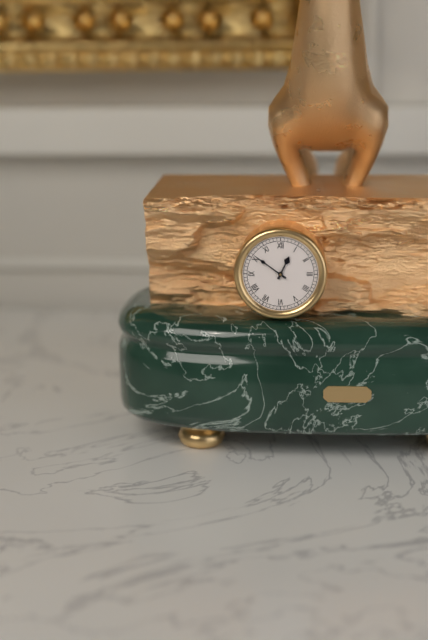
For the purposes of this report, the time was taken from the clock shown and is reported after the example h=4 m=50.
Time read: h=12 m=51
